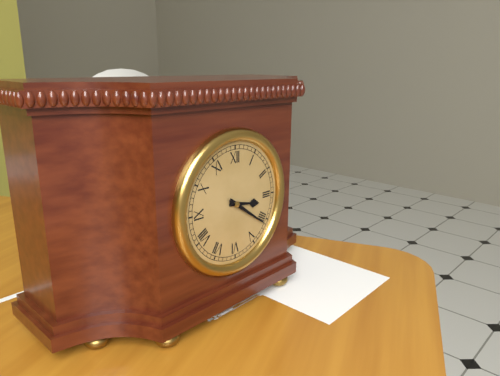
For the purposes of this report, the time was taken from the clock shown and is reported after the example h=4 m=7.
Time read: h=3 m=21
